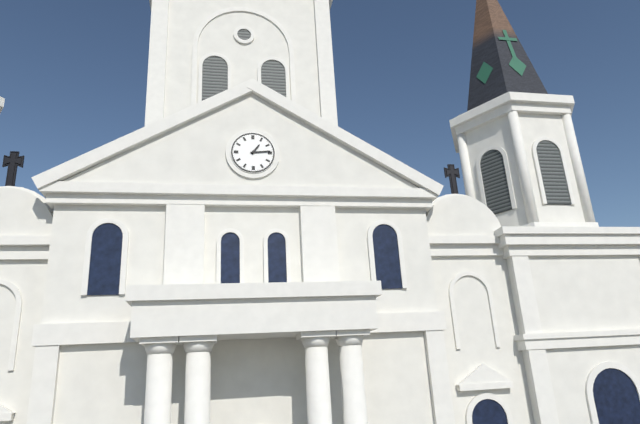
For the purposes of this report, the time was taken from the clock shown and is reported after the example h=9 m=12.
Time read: h=1 m=14
